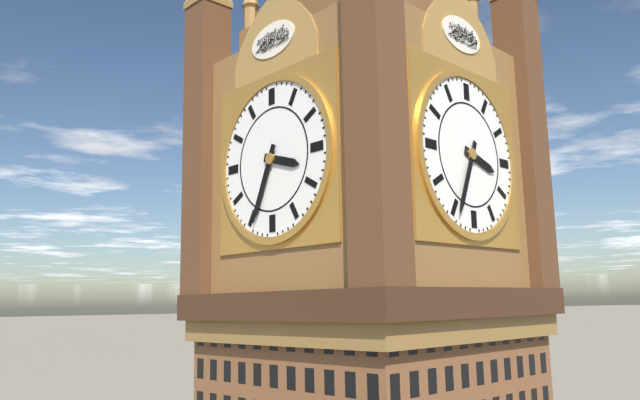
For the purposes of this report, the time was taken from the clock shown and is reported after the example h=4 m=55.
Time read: h=3 m=34
